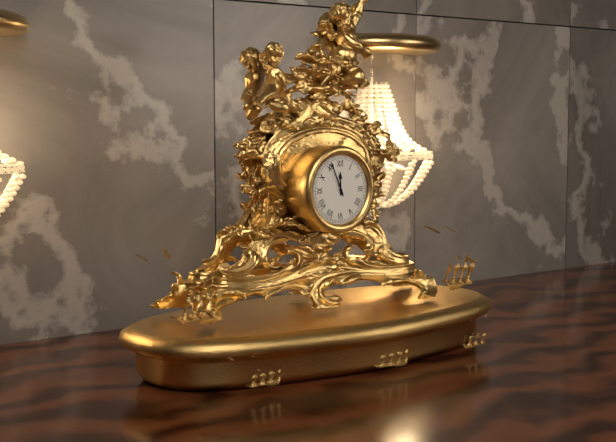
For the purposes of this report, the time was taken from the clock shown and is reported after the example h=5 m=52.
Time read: h=11 m=56
